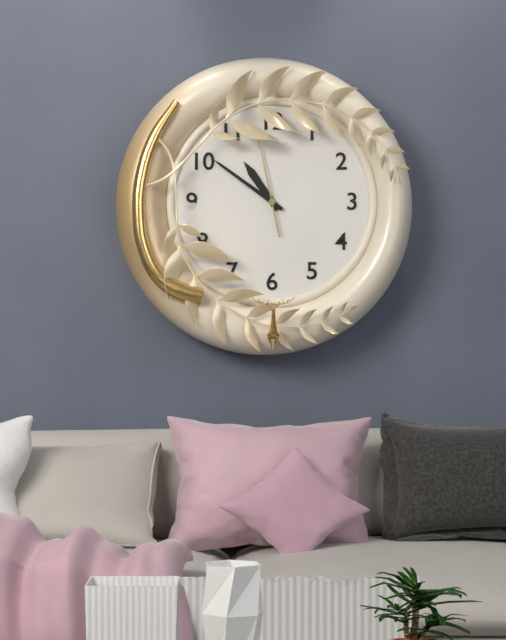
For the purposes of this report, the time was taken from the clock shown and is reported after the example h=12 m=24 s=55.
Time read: h=10 m=51 s=58
